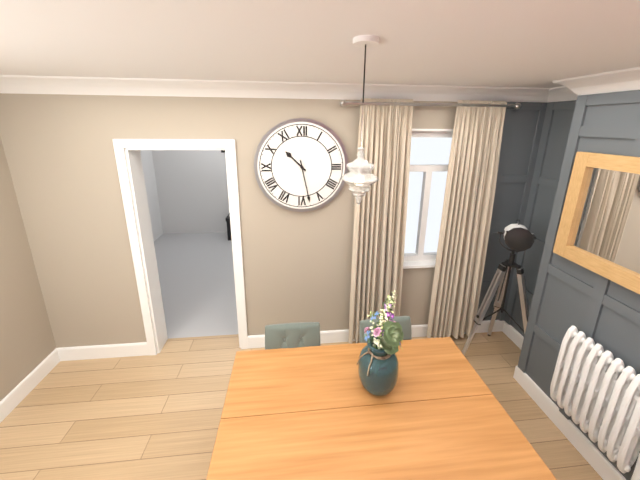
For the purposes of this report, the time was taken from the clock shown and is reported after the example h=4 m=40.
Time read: h=10 m=28
